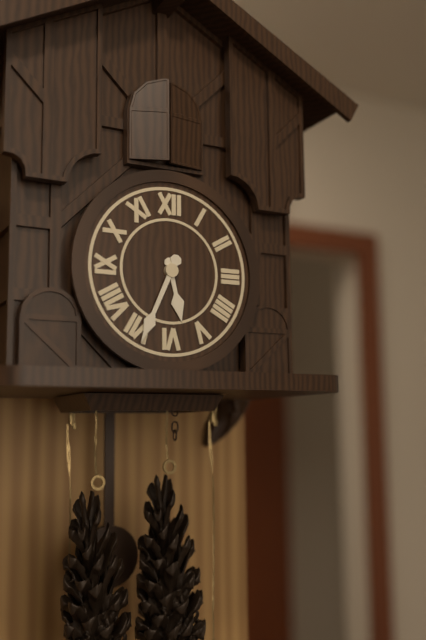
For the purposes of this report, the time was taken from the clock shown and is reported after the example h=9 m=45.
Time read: h=5 m=34
